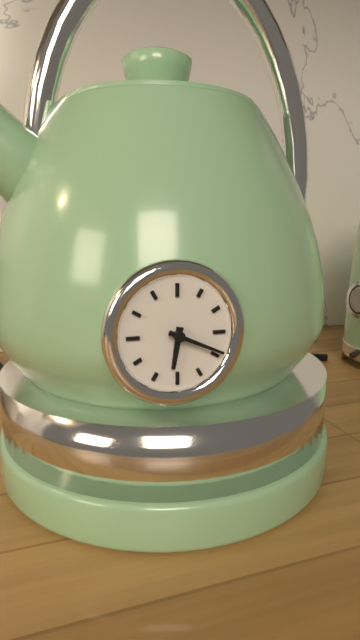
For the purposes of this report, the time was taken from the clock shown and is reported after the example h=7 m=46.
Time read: h=6 m=19
